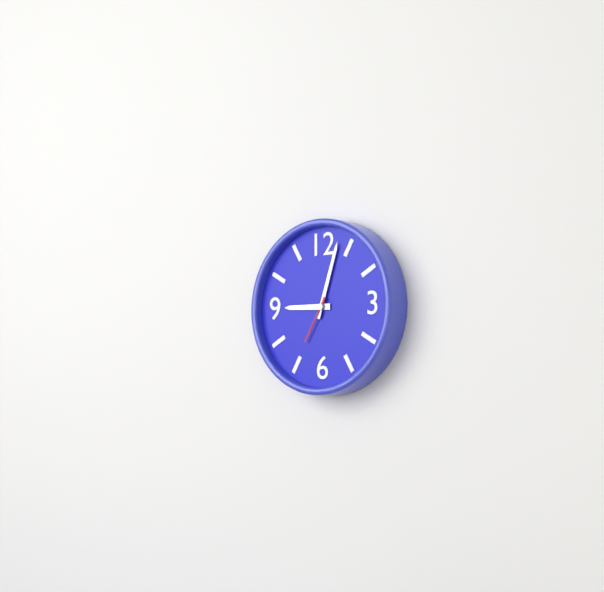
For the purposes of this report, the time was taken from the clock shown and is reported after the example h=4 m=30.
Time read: h=9 m=3
